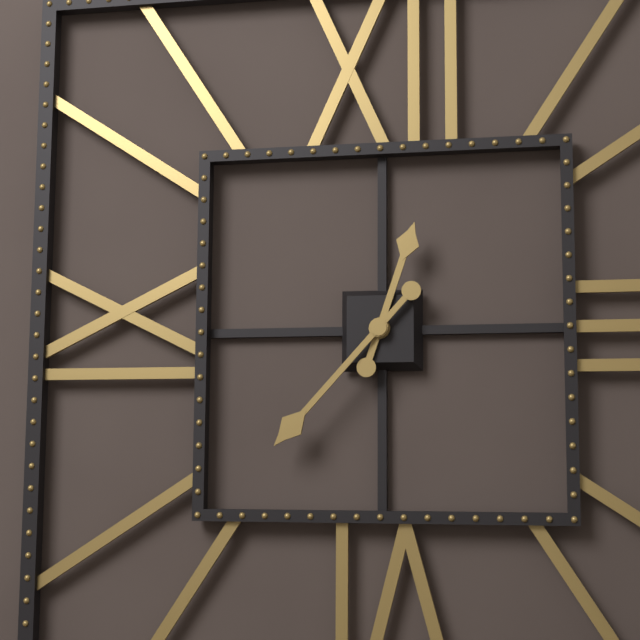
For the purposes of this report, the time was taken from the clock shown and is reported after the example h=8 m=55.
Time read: h=12 m=37
